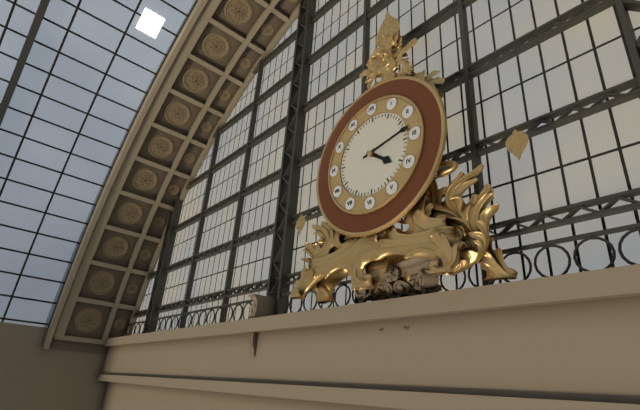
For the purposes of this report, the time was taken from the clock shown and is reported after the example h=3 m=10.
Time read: h=4 m=13
